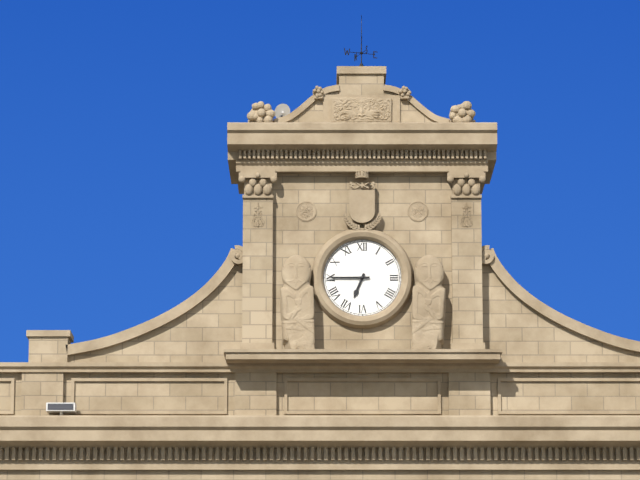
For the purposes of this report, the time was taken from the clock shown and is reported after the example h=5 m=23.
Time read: h=6 m=45
